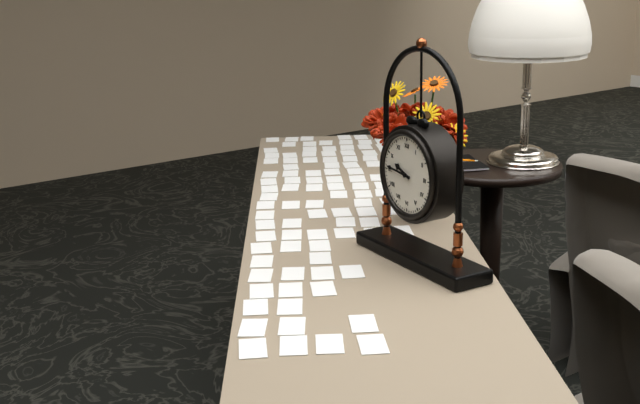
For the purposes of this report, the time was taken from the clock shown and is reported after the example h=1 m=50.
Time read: h=9 m=46
